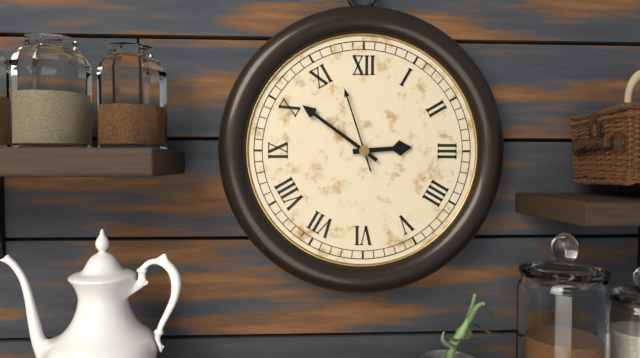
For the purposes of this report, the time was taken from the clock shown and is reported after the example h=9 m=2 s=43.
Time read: h=2 m=51 s=57
